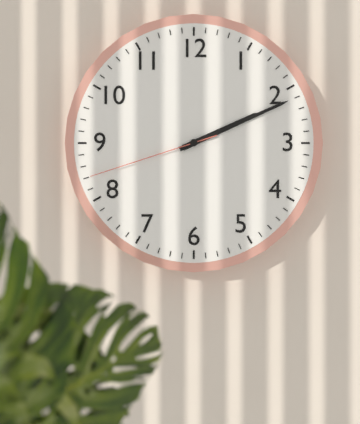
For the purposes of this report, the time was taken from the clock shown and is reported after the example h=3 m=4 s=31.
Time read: h=2 m=11 s=42
